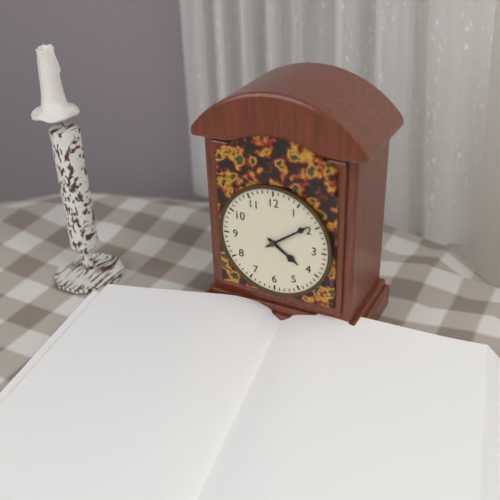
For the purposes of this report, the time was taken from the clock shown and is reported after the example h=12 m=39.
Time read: h=4 m=9
